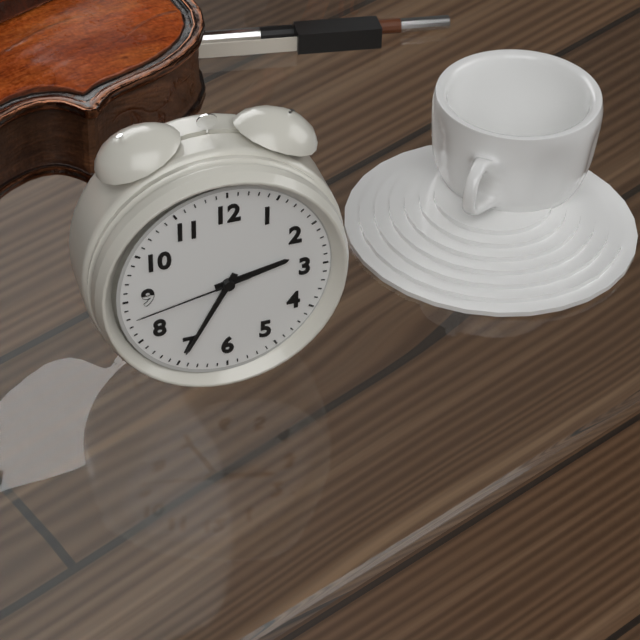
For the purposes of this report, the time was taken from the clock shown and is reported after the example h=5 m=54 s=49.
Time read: h=2 m=35 s=43
